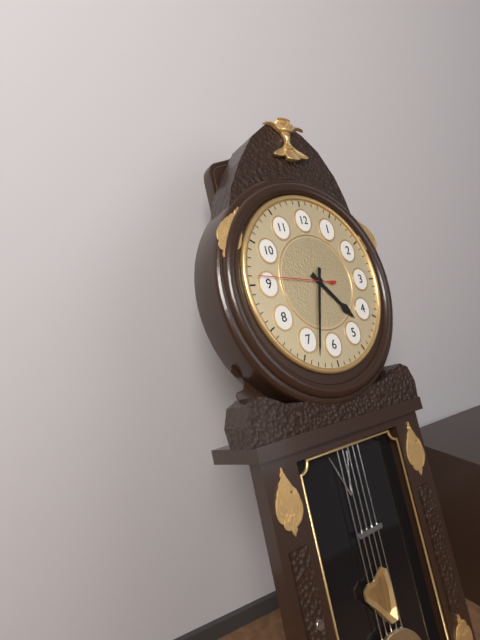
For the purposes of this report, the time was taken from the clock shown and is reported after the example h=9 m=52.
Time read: h=4 m=33
